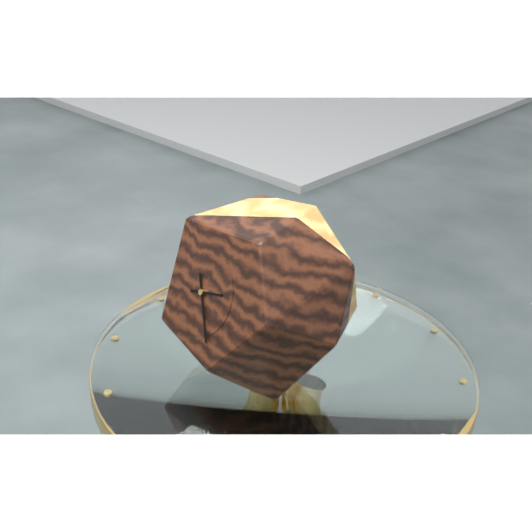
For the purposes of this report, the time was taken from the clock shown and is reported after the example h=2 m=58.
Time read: h=2 m=24
